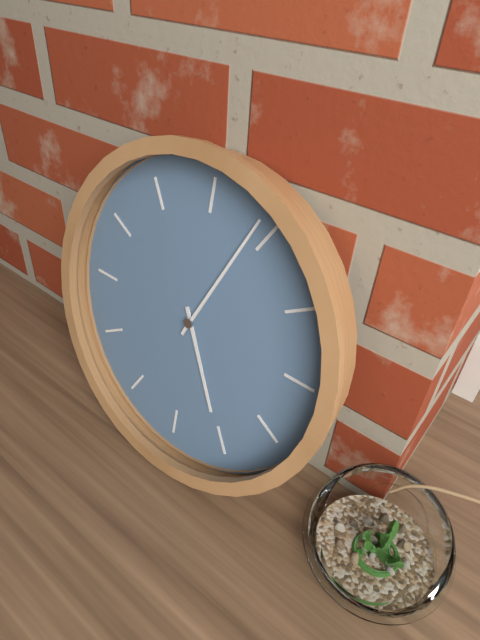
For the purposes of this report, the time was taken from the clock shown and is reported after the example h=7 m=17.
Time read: h=5 m=4
